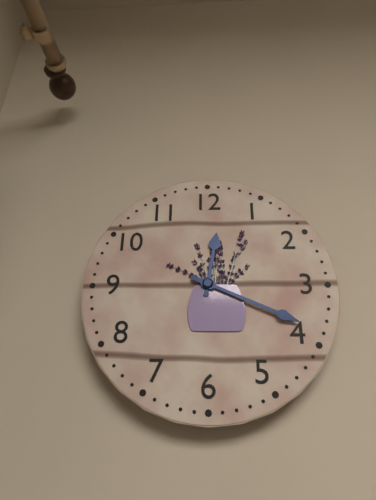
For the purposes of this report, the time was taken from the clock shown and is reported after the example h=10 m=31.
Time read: h=12 m=19
